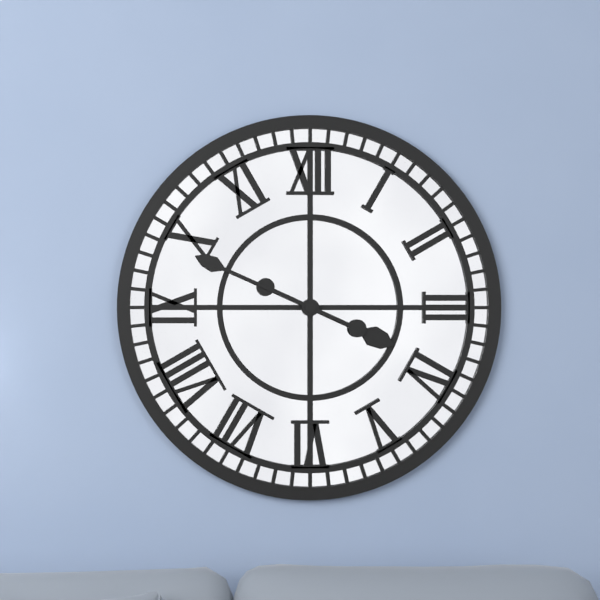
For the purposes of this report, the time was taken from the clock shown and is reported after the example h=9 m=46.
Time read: h=3 m=49
